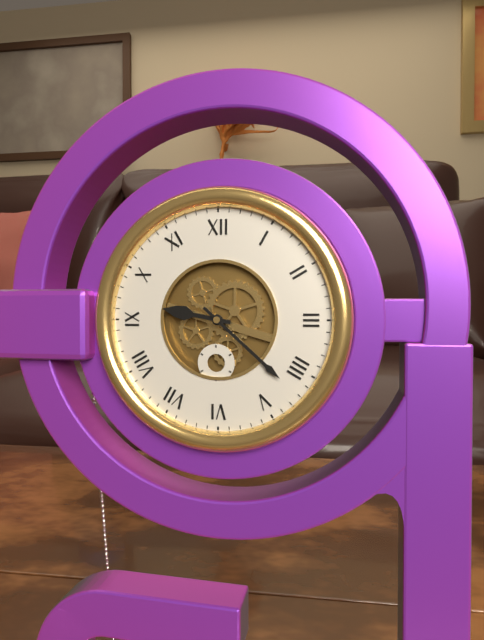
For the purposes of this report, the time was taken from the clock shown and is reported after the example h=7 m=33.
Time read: h=9 m=22
